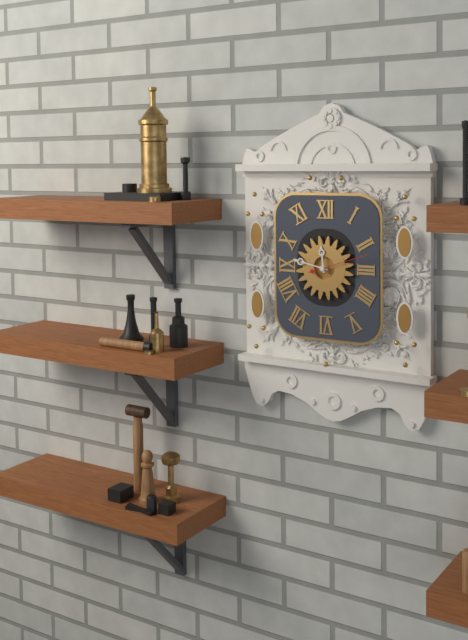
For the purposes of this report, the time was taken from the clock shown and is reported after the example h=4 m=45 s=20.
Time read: h=11 m=47 s=12
